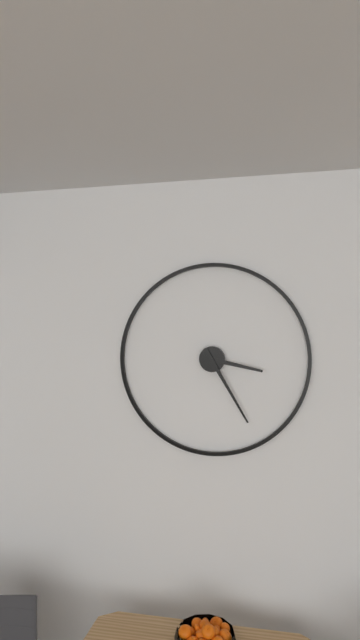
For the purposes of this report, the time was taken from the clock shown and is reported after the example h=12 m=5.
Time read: h=3 m=25
